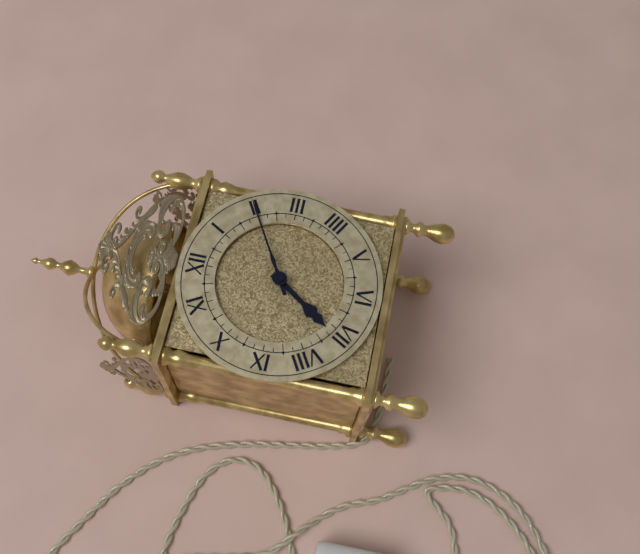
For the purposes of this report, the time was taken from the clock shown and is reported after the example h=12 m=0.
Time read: h=7 m=10
